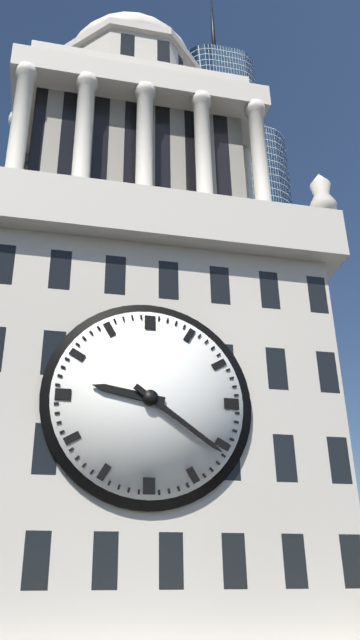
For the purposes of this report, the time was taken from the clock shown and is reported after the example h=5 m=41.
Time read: h=9 m=21
